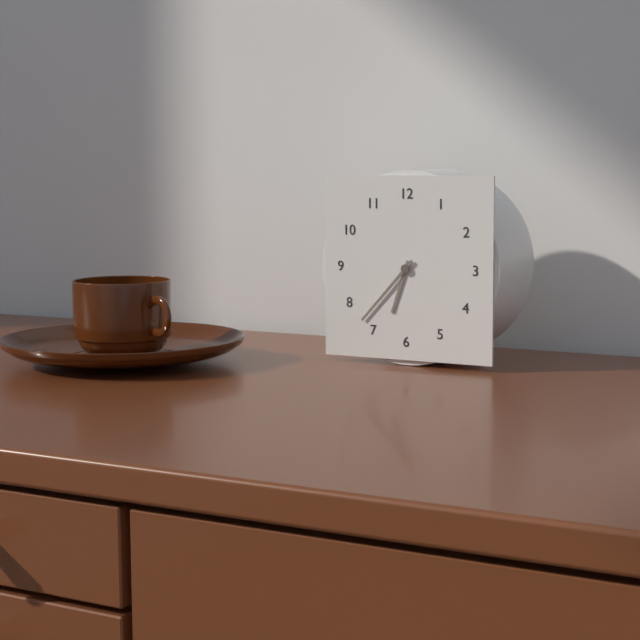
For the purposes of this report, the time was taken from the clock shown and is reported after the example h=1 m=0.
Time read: h=6 m=37
